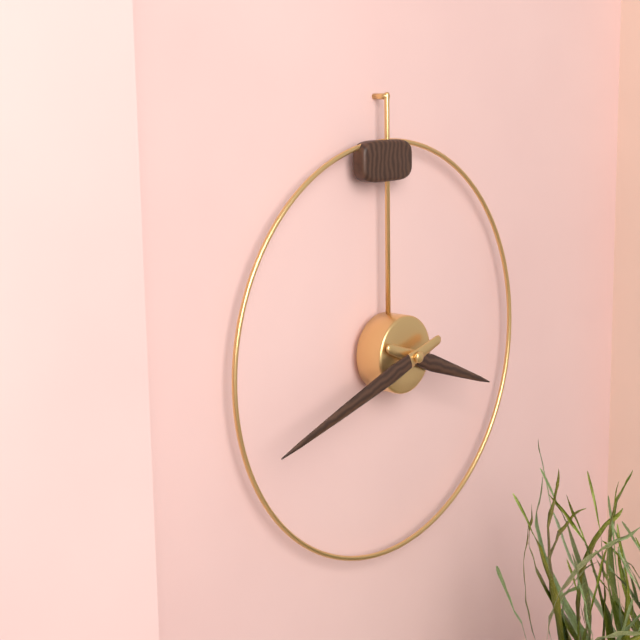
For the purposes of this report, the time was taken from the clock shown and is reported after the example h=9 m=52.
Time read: h=3 m=42
